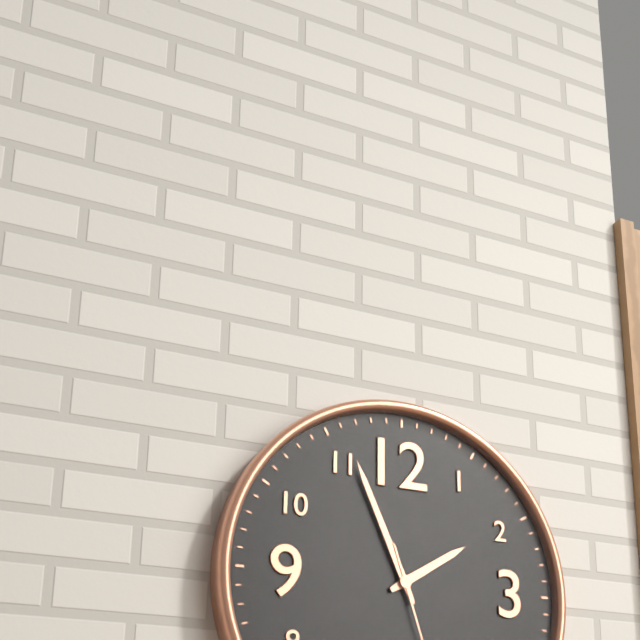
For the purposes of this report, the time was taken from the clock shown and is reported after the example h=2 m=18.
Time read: h=1 m=56
